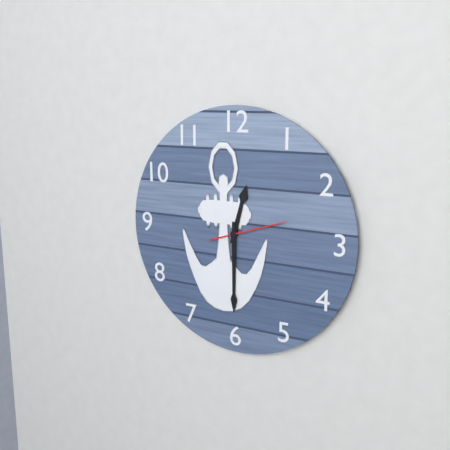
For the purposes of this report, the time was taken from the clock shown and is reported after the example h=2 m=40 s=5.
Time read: h=12 m=30 s=12
